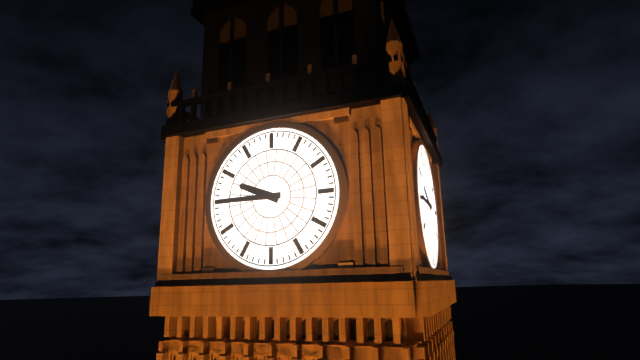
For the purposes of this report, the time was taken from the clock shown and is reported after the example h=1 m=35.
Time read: h=9 m=45
